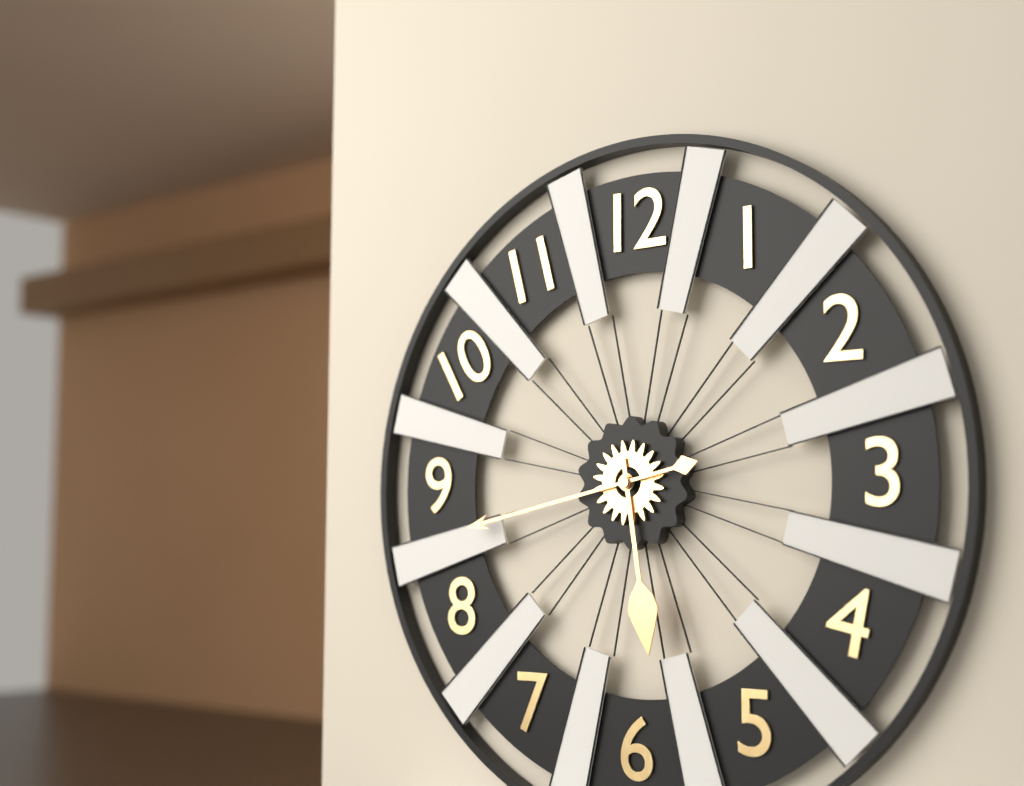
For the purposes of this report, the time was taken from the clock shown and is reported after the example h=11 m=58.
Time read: h=5 m=43
